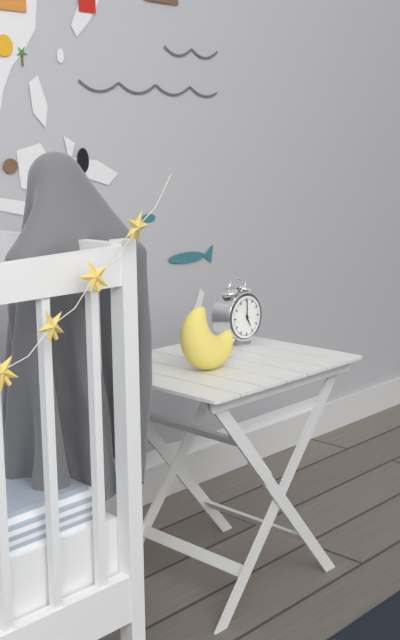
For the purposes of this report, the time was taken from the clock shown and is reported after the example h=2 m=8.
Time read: h=5 m=0
